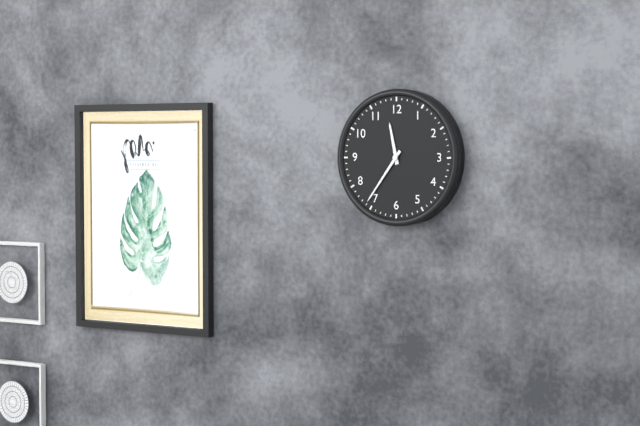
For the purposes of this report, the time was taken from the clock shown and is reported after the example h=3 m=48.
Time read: h=11 m=36
